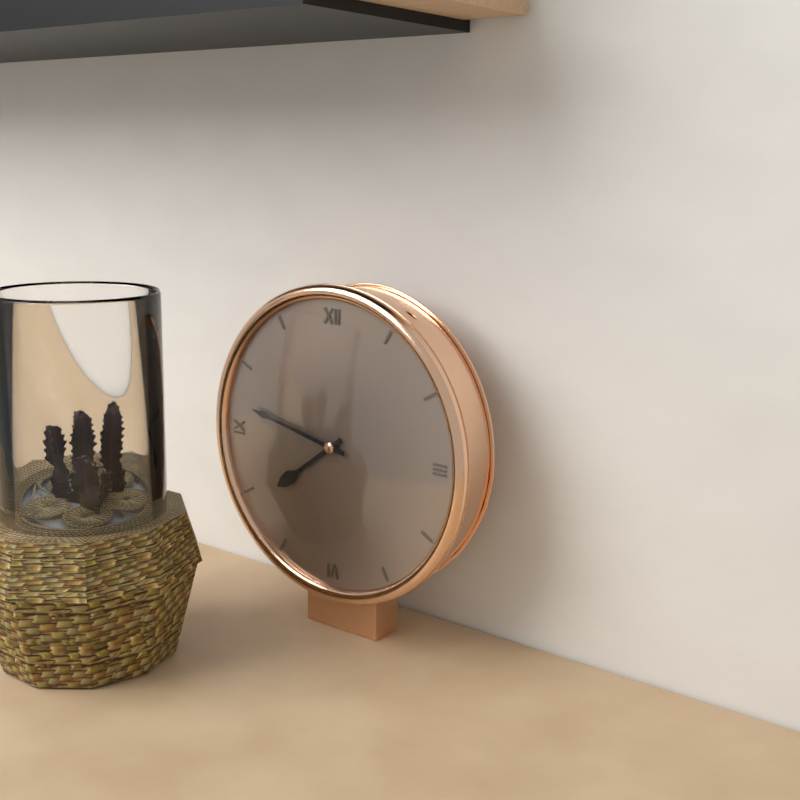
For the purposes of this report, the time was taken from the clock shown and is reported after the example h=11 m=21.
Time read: h=7 m=47
